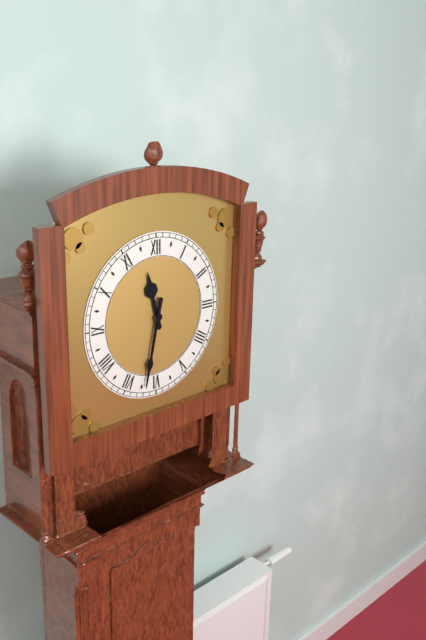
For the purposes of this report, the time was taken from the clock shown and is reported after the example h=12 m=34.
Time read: h=11 m=32
